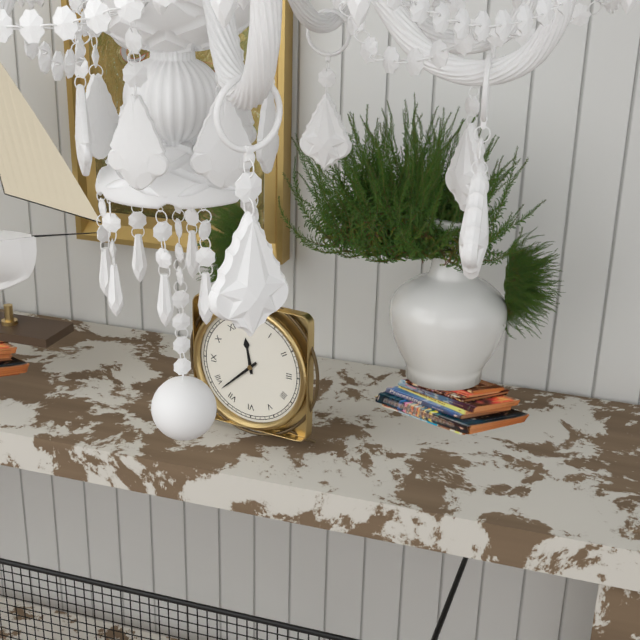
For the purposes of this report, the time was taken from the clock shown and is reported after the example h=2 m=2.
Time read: h=11 m=38
